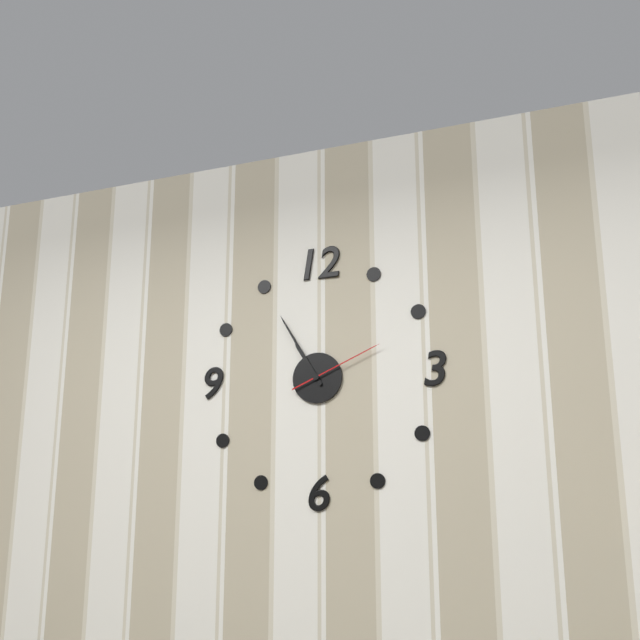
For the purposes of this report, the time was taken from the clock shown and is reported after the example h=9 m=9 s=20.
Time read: h=10 m=55 s=11
